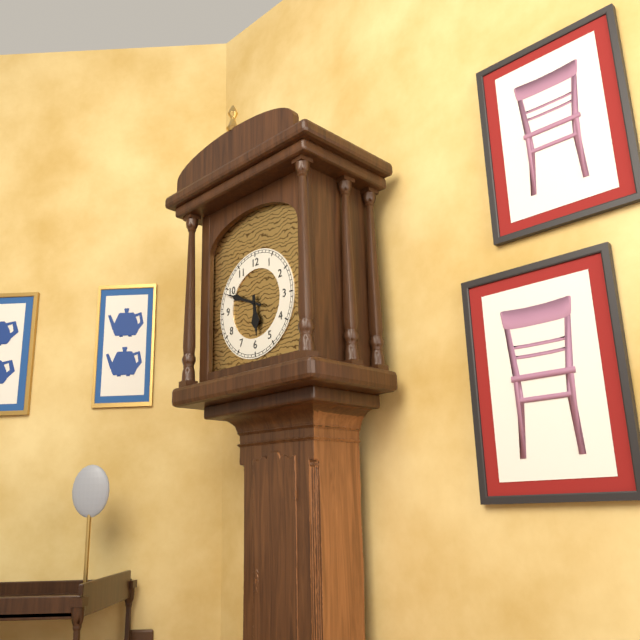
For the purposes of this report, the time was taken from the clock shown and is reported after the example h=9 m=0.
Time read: h=5 m=49
